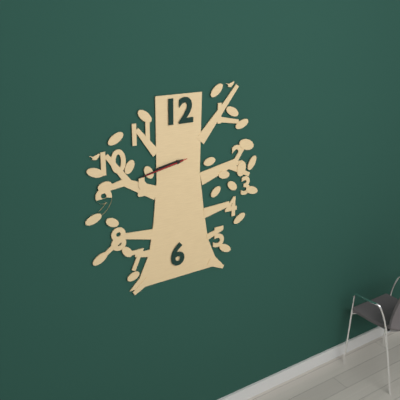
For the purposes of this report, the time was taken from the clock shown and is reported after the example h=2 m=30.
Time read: h=8 m=43
